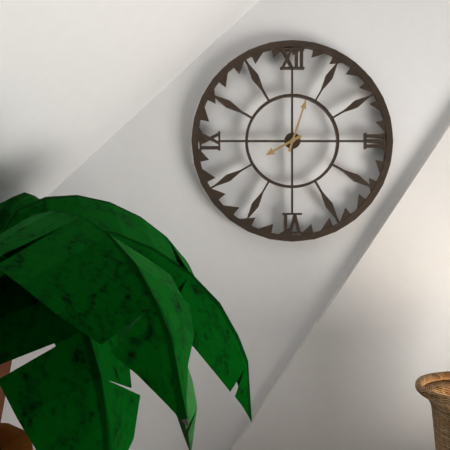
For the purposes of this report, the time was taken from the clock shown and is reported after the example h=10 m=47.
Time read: h=8 m=3
